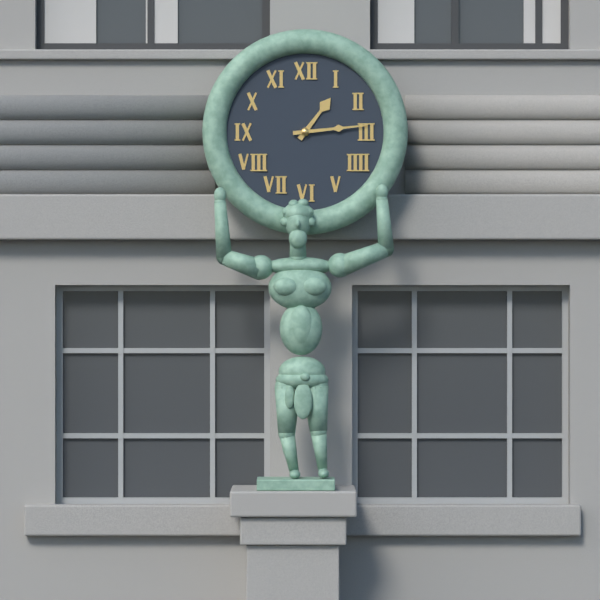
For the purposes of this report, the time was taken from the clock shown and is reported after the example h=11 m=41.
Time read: h=1 m=14
